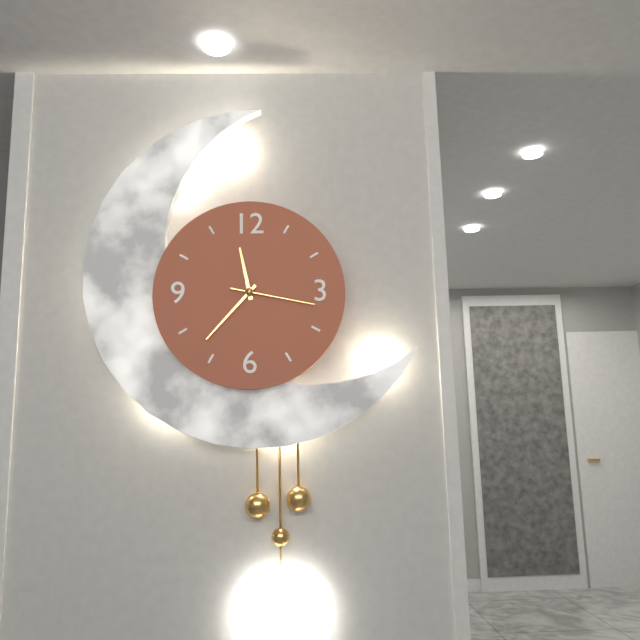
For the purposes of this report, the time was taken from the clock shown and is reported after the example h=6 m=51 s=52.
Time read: h=11 m=37 s=17
